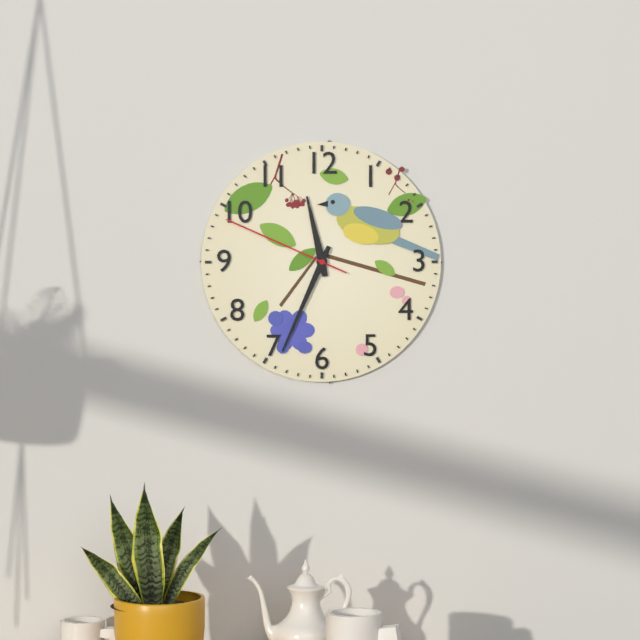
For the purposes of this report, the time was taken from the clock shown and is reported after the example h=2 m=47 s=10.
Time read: h=11 m=34 s=49
